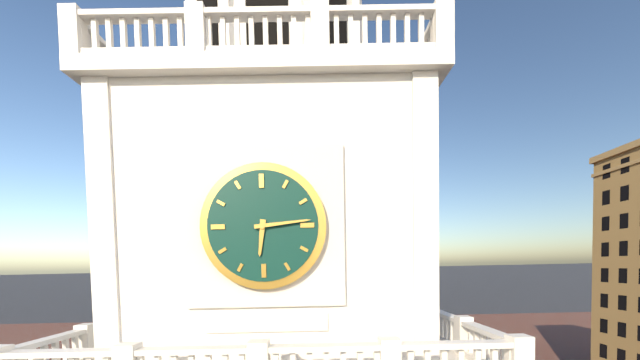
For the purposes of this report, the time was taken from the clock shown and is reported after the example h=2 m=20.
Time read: h=6 m=14
